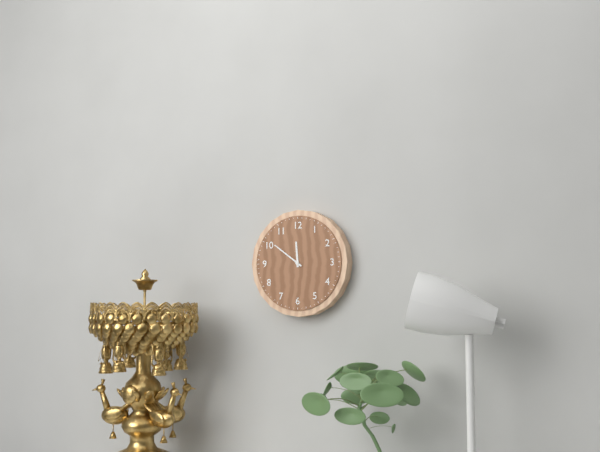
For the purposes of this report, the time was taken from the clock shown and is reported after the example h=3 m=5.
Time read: h=11 m=51
